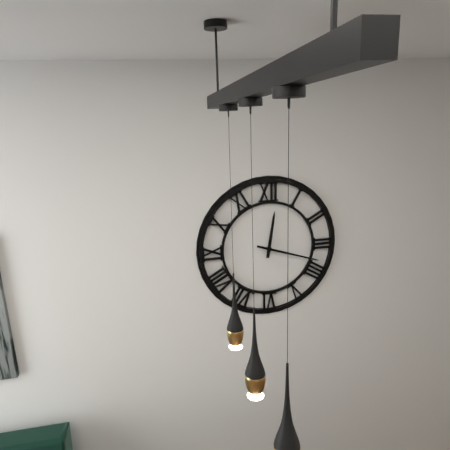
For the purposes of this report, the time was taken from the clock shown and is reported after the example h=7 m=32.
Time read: h=12 m=18
